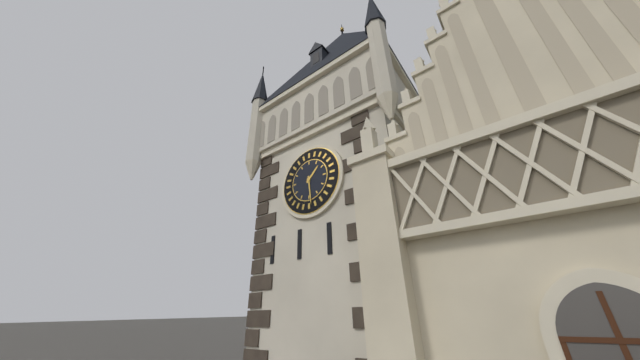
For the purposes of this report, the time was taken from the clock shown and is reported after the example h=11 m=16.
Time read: h=1 m=29
